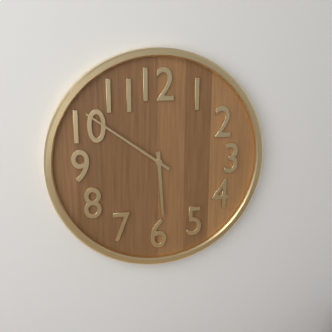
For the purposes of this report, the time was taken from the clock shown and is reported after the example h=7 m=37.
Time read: h=5 m=51
